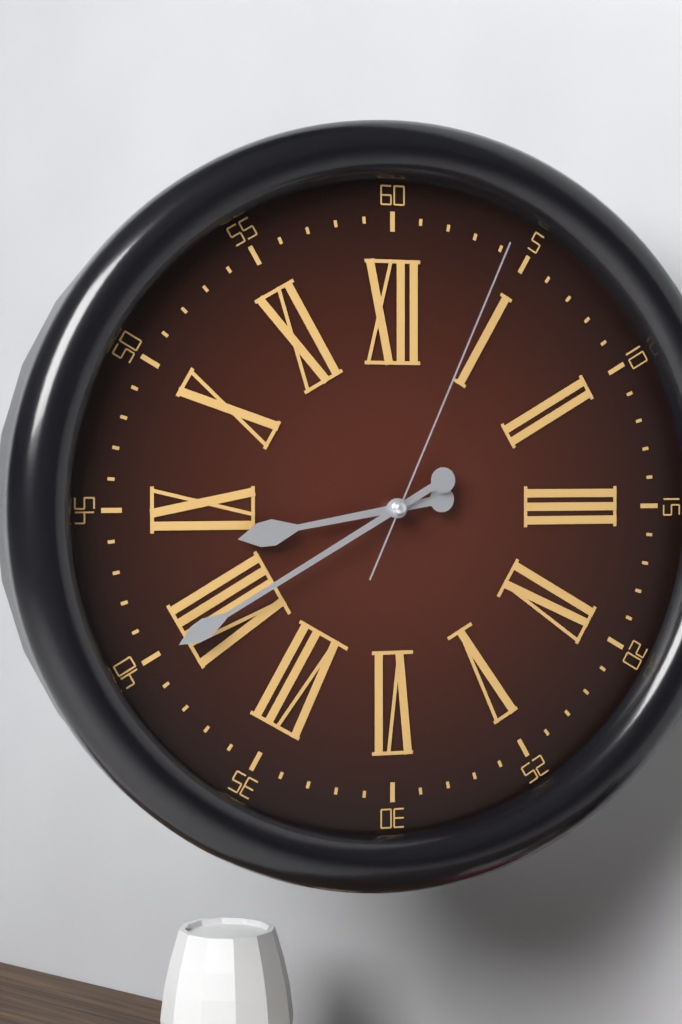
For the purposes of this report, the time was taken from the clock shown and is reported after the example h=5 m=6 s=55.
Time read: h=8 m=40 s=4
